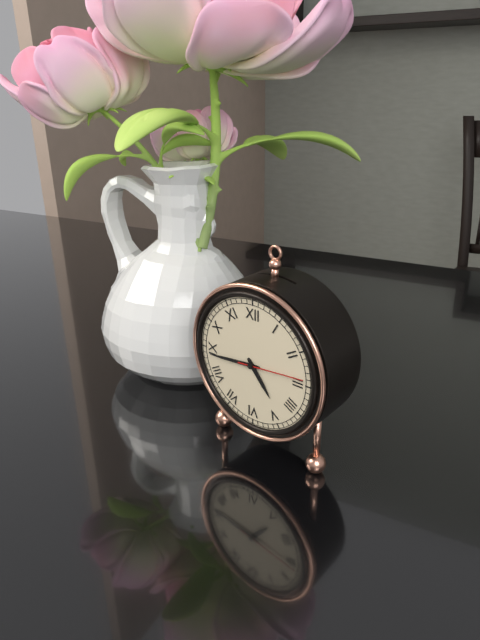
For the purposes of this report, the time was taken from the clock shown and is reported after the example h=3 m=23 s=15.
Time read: h=4 m=44 s=14
